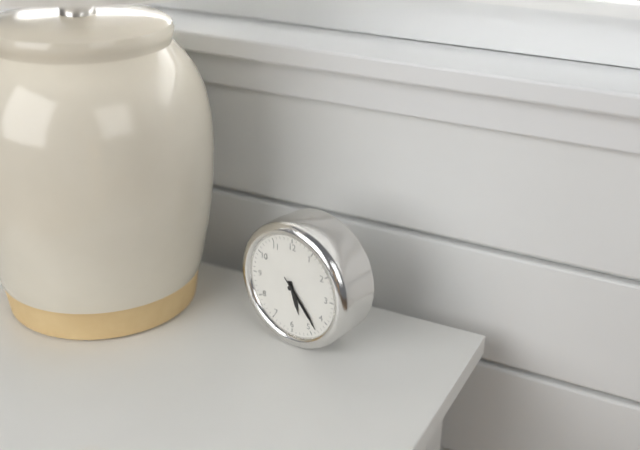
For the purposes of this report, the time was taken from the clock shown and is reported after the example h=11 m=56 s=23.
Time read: h=5 m=23 s=23
